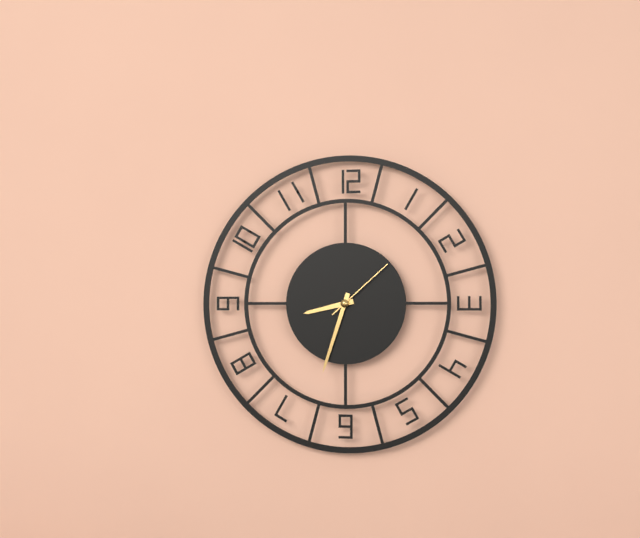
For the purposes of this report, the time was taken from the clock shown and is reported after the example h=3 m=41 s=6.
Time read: h=8 m=33 s=8
